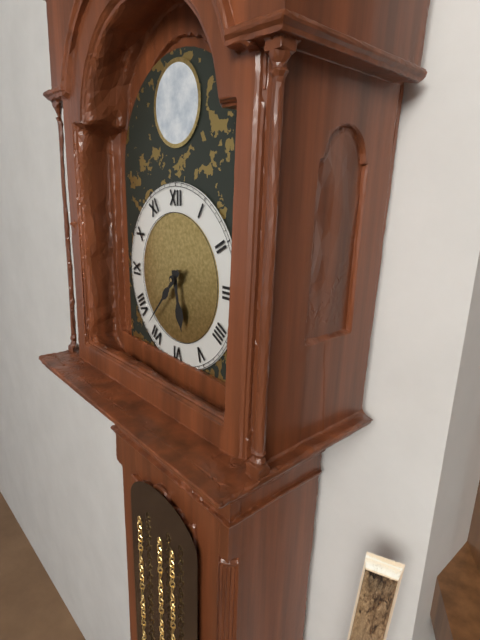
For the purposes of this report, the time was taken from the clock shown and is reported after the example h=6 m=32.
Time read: h=5 m=37
